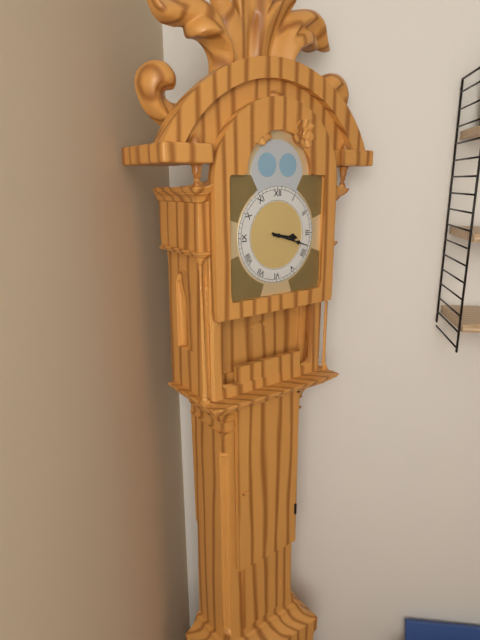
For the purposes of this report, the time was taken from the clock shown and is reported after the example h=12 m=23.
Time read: h=3 m=18
